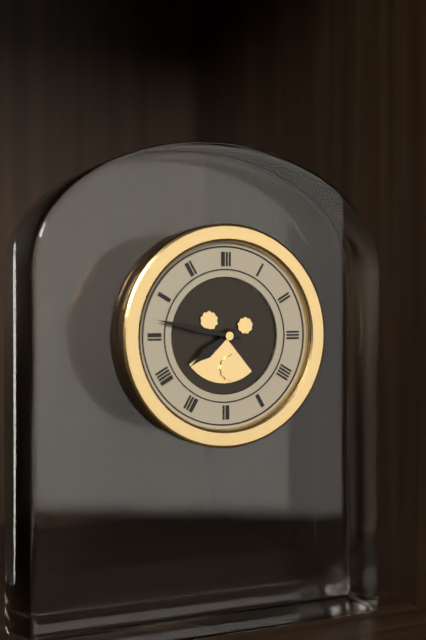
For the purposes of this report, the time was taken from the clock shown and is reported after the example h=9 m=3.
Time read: h=7 m=47
